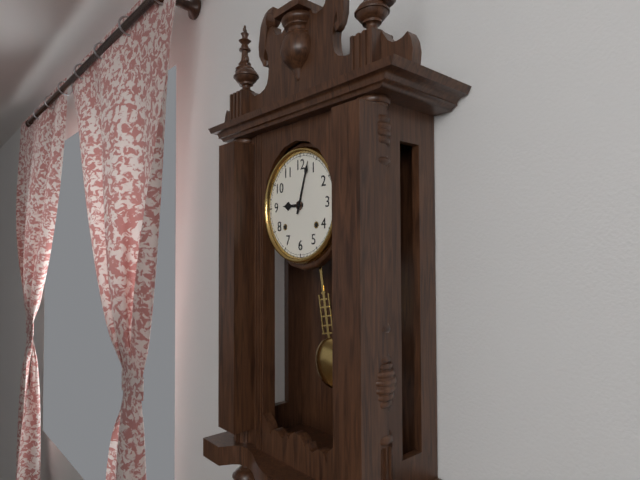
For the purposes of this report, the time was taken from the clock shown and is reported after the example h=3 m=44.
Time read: h=9 m=3
